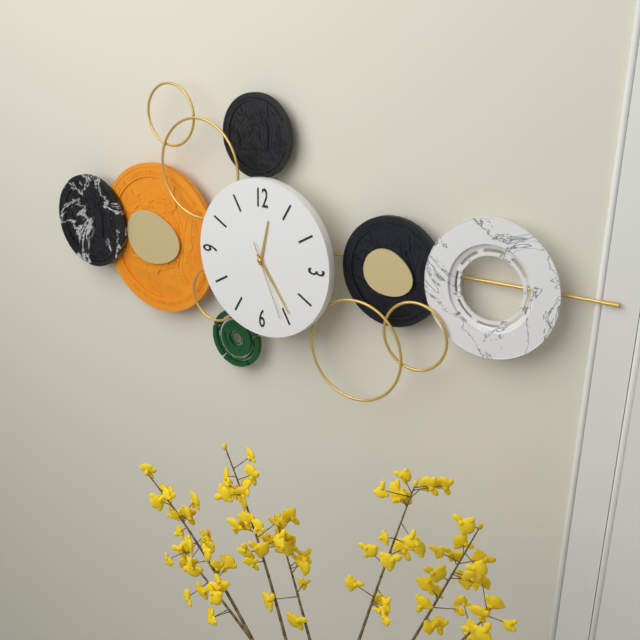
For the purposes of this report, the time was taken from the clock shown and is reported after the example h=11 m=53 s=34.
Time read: h=12 m=24 s=26
